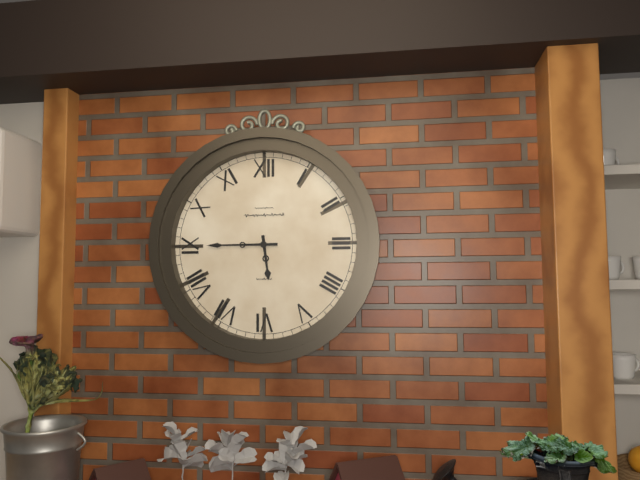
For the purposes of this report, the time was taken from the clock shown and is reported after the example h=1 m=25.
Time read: h=5 m=45
